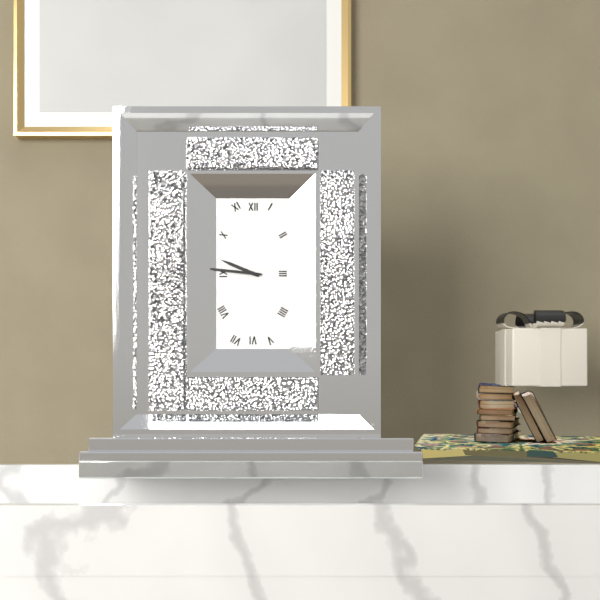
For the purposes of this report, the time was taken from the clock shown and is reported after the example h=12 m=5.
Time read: h=9 m=46
